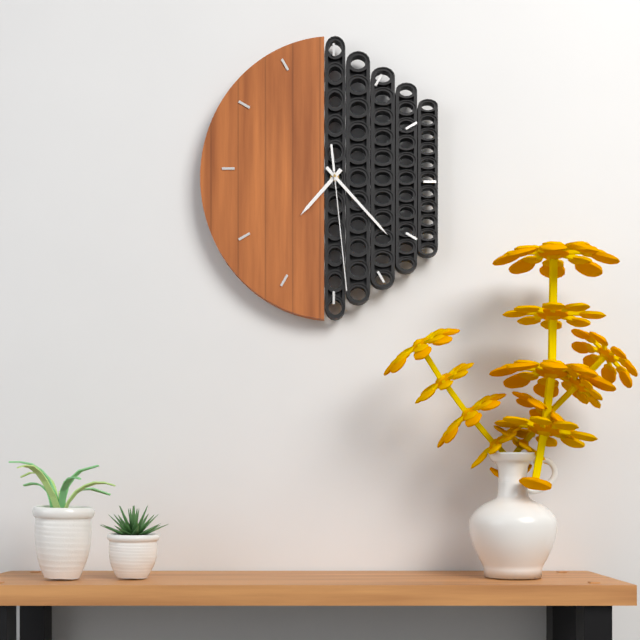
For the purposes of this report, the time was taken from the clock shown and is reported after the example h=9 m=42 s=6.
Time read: h=7 m=23 s=29
